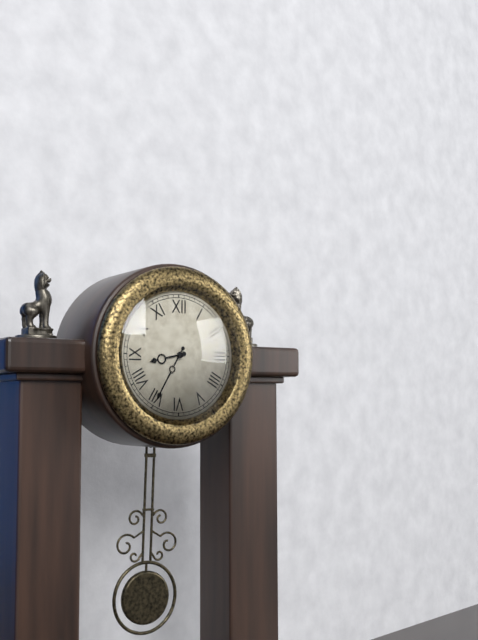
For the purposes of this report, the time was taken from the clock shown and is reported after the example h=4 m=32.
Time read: h=8 m=35
